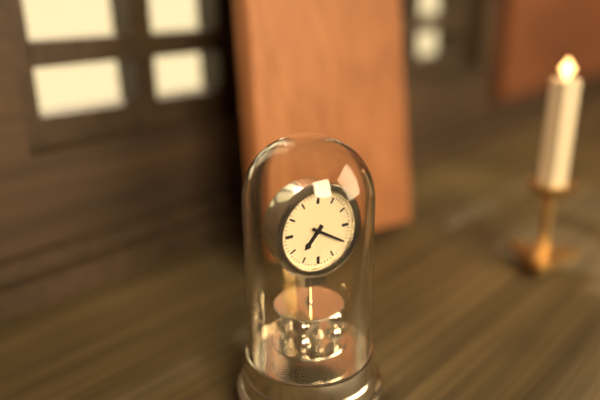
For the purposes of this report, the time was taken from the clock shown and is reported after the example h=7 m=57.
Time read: h=7 m=20
